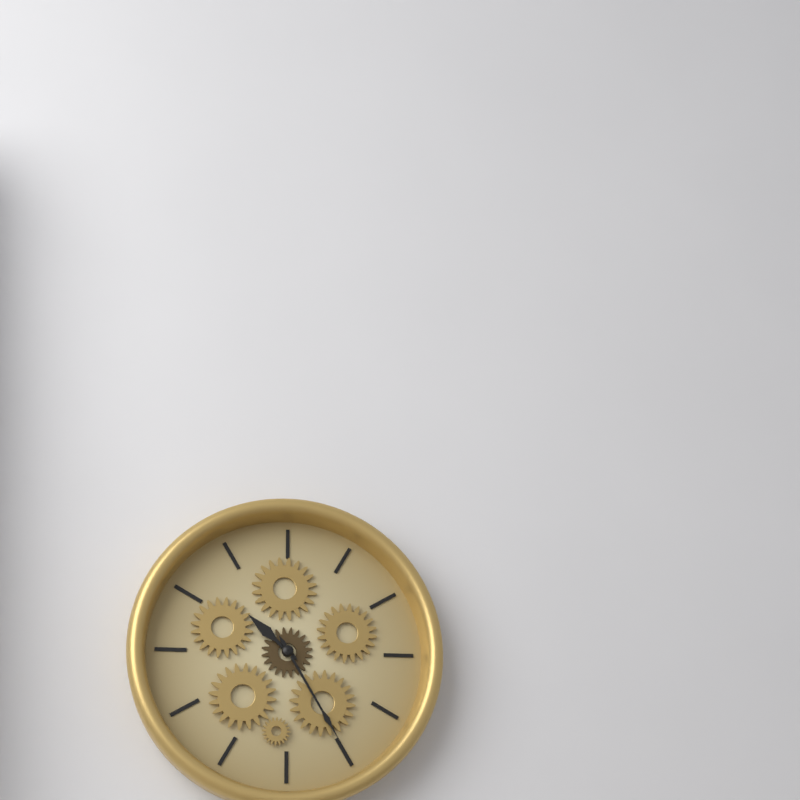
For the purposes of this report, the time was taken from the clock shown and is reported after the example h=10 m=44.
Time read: h=10 m=25
